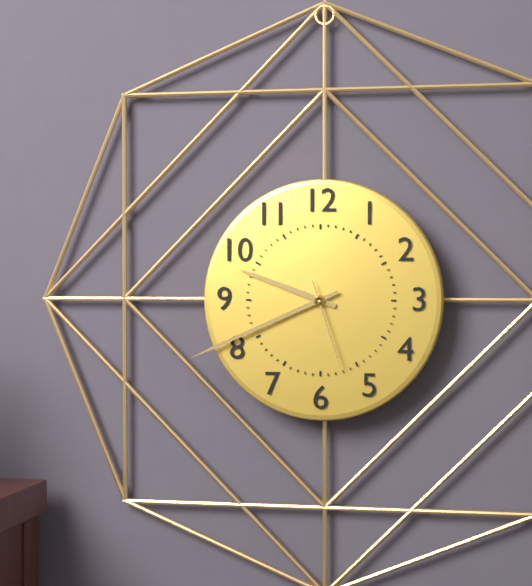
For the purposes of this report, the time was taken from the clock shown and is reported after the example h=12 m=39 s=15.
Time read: h=9 m=41 s=27
